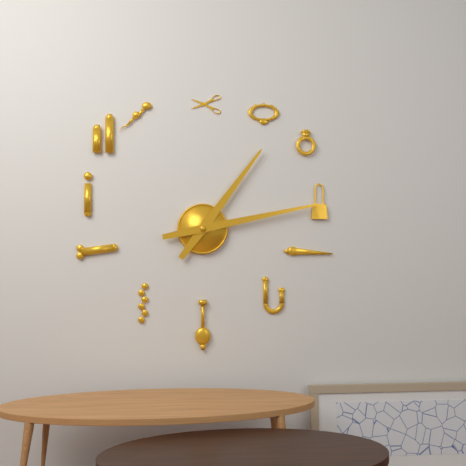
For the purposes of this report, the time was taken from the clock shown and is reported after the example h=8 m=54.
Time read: h=1 m=13
